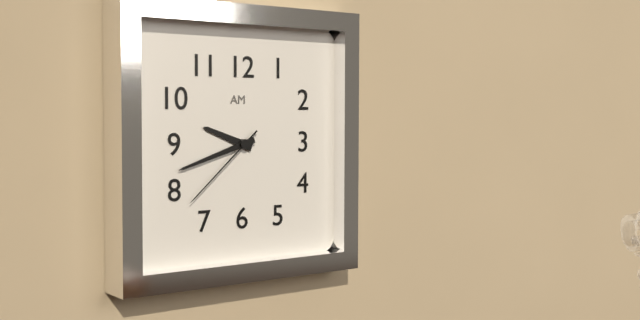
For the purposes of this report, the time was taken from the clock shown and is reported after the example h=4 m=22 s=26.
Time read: h=9 m=42 s=38
